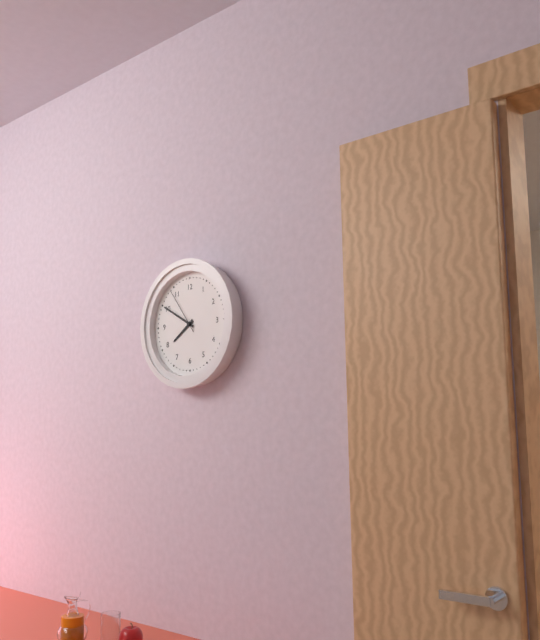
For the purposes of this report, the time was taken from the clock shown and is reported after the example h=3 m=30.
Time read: h=7 m=50
